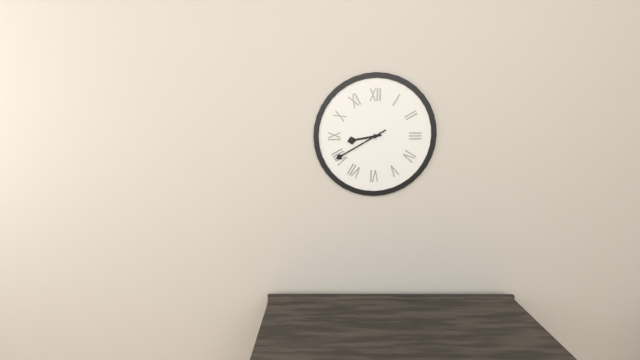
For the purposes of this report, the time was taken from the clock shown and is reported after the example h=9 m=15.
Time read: h=8 m=40
